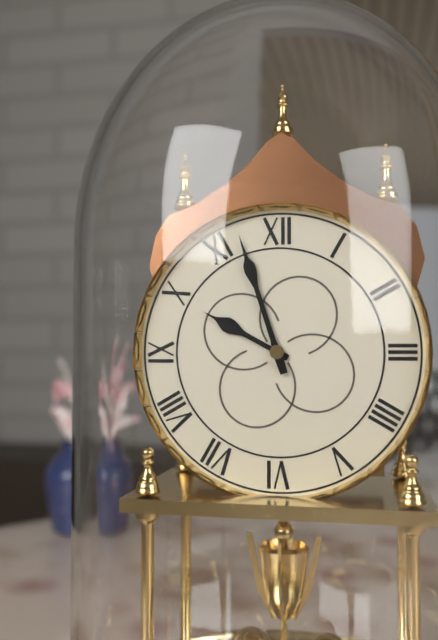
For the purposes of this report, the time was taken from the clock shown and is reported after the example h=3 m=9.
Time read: h=9 m=57
